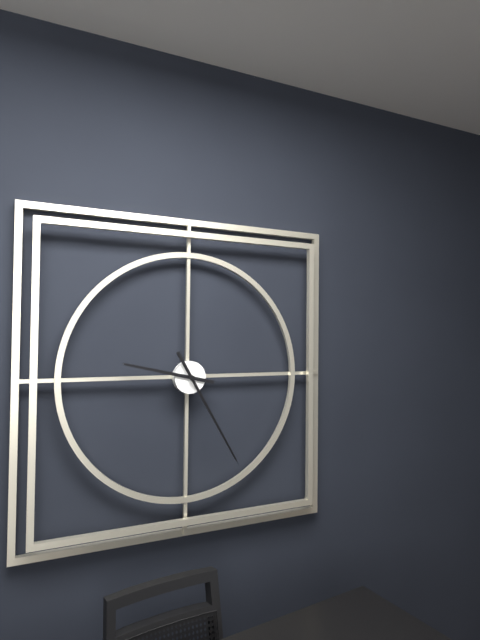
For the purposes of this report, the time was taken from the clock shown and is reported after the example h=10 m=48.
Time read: h=9 m=25
